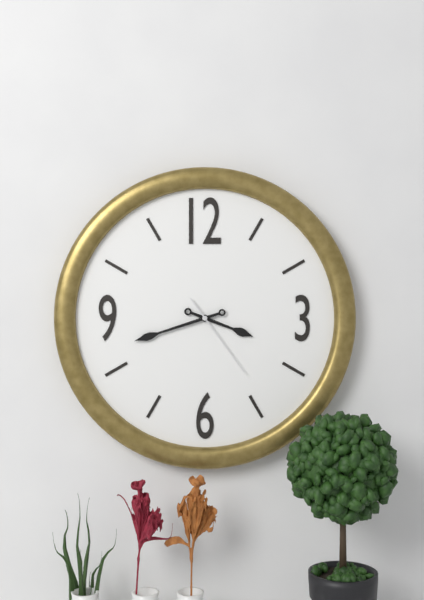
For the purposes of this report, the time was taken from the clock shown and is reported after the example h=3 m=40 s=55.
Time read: h=3 m=42 s=24
